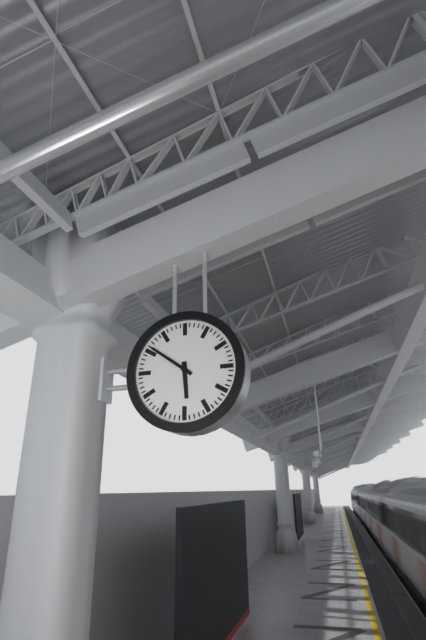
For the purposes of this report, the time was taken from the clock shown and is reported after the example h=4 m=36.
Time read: h=5 m=51
